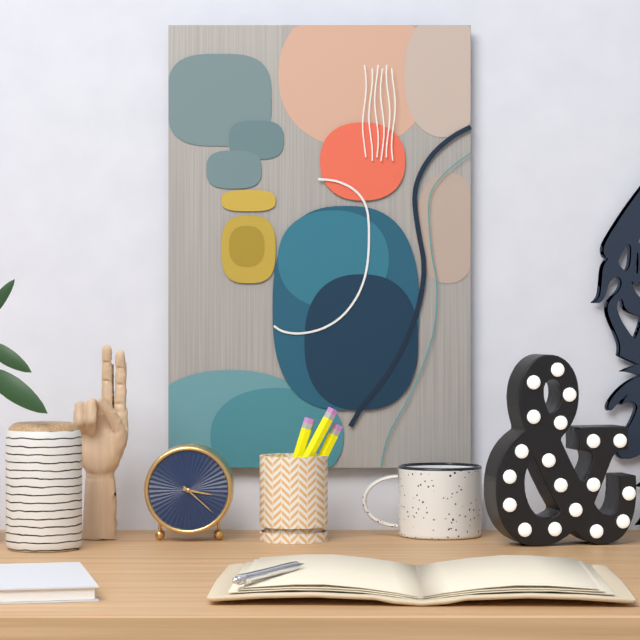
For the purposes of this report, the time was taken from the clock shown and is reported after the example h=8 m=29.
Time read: h=3 m=22
